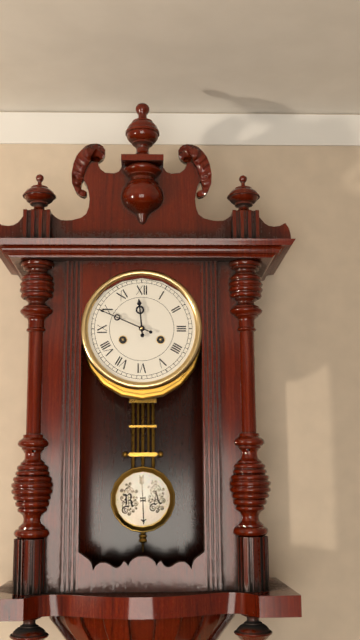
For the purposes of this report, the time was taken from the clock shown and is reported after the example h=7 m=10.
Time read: h=11 m=49
